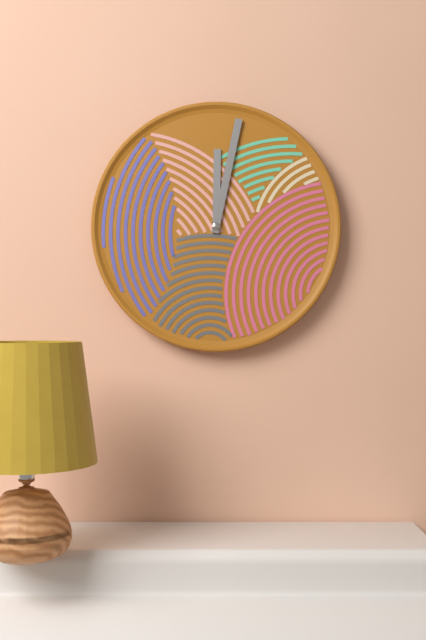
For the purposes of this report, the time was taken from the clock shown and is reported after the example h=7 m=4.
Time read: h=12 m=2
